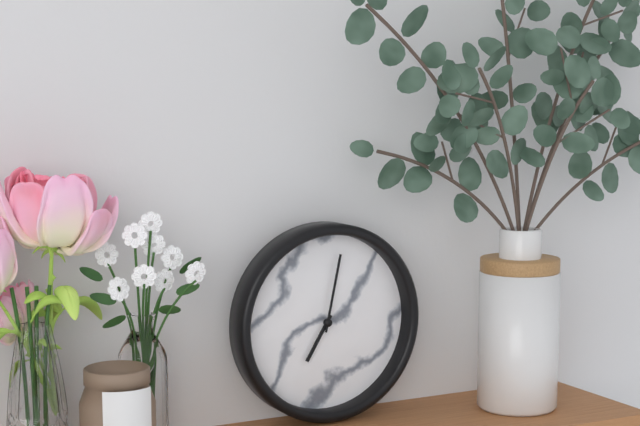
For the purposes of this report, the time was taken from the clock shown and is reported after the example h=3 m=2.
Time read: h=7 m=2
